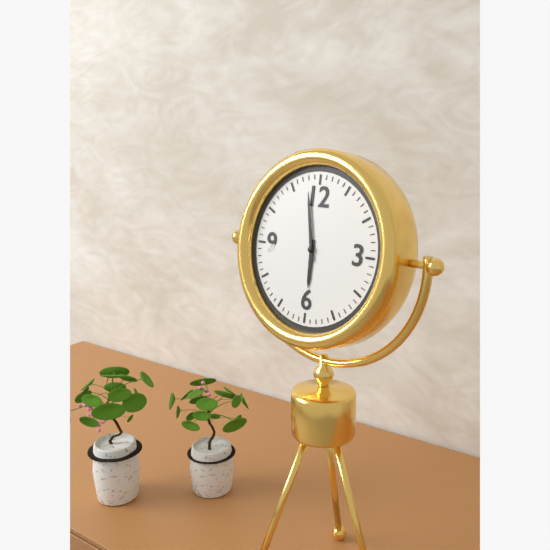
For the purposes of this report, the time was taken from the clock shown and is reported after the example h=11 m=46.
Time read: h=5 m=58
